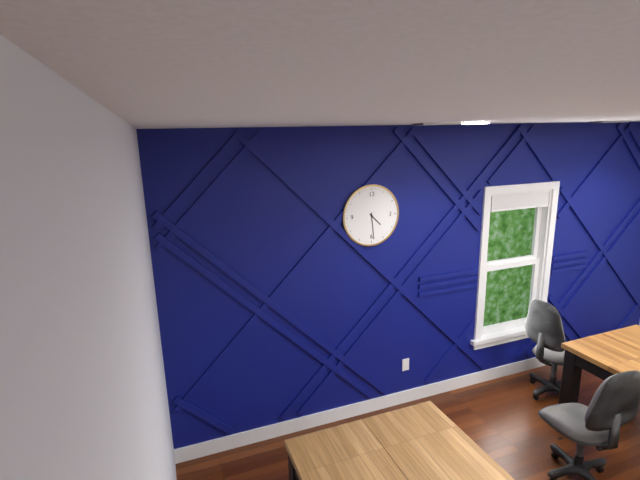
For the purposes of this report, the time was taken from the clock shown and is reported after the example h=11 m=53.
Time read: h=4 m=29
